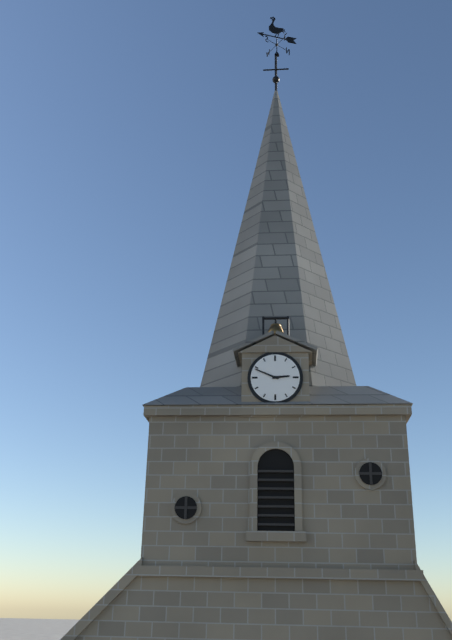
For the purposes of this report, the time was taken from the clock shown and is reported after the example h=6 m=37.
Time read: h=2 m=49
